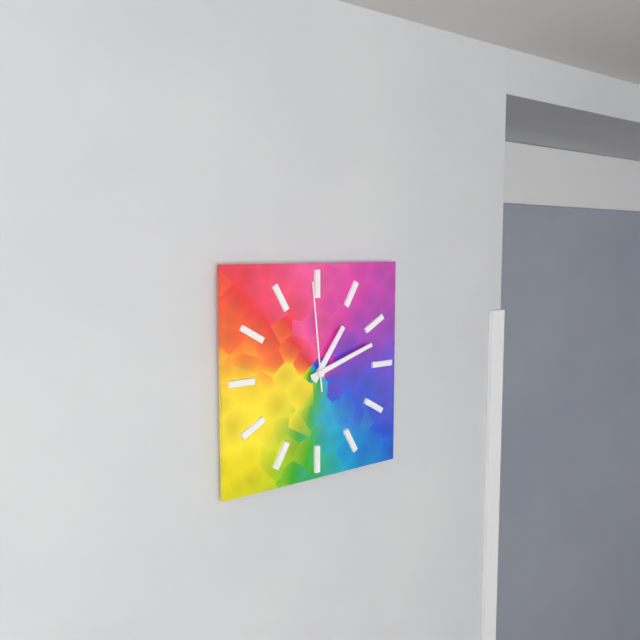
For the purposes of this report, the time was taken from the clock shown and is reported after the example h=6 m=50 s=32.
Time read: h=1 m=12 s=59
